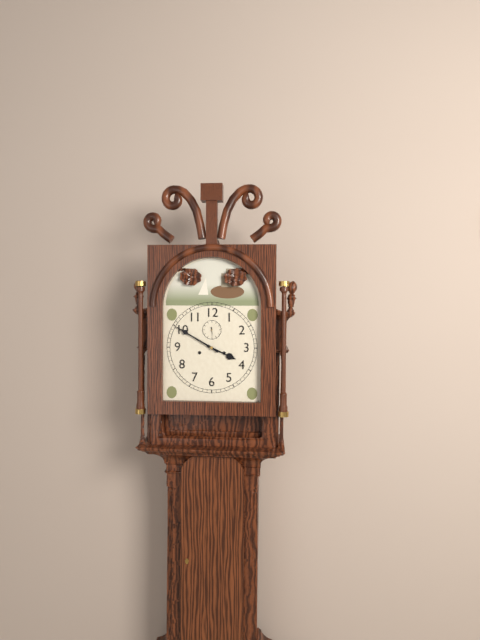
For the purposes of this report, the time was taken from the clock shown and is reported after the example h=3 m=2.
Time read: h=3 m=50
